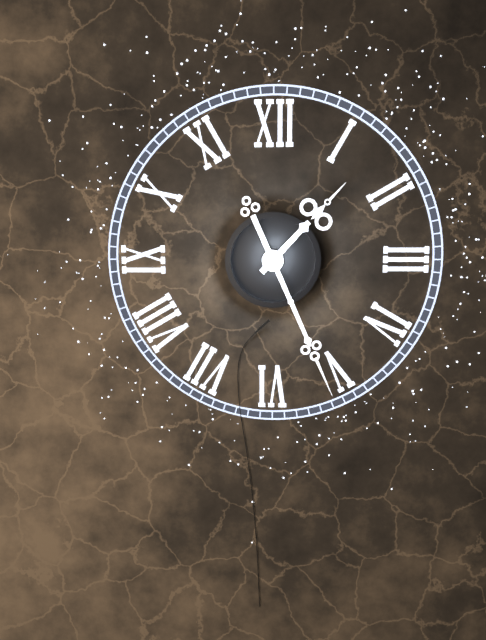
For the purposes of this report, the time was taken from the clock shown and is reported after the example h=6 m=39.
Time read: h=1 m=26
